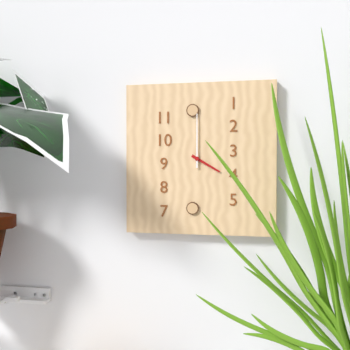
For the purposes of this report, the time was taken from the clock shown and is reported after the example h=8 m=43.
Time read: h=4 m=0
